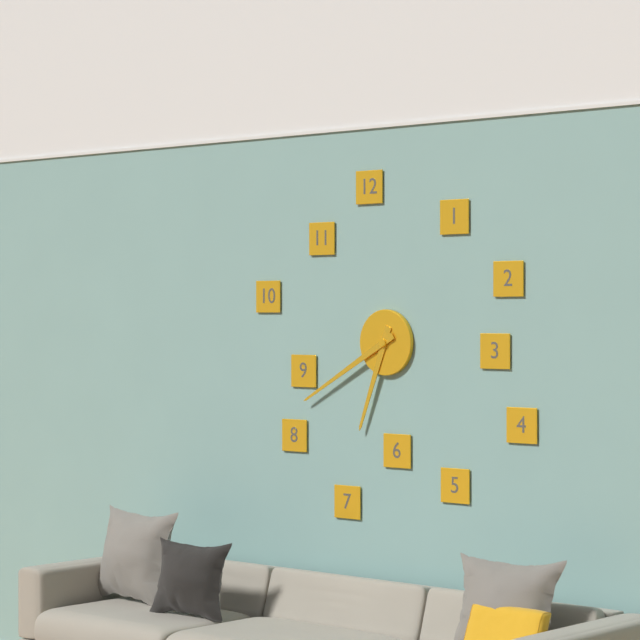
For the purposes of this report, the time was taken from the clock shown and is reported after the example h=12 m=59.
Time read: h=6 m=40
